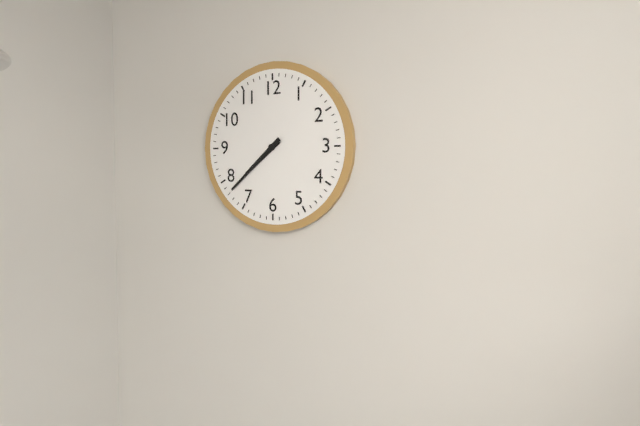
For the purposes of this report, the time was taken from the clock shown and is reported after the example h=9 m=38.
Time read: h=7 m=38
